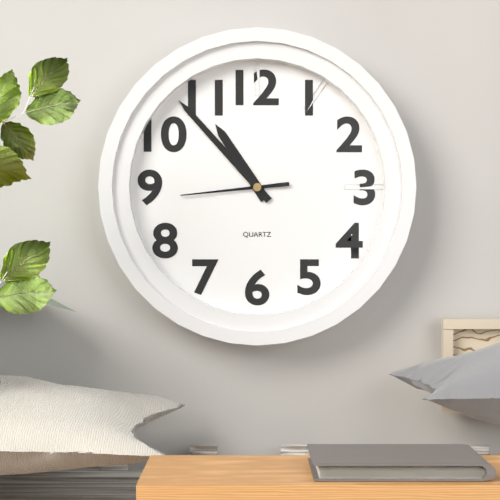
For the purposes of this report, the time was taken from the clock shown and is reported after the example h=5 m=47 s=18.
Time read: h=10 m=53 s=44
